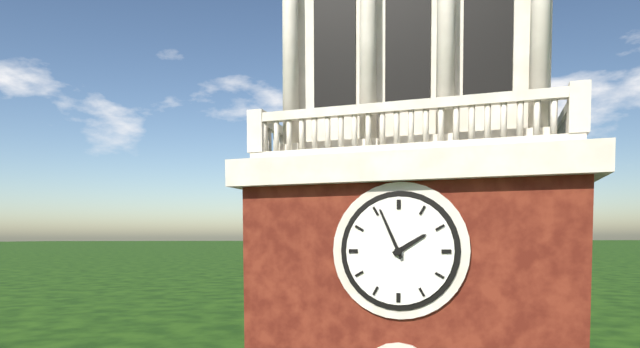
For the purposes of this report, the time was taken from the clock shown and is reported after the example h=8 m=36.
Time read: h=1 m=56
